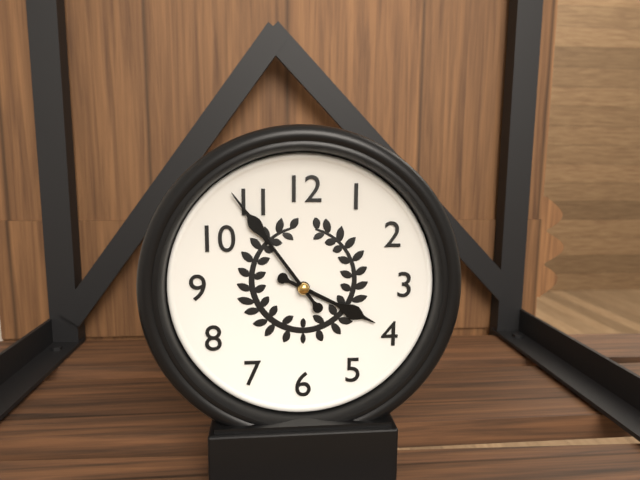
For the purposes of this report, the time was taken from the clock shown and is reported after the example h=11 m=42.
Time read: h=3 m=54
